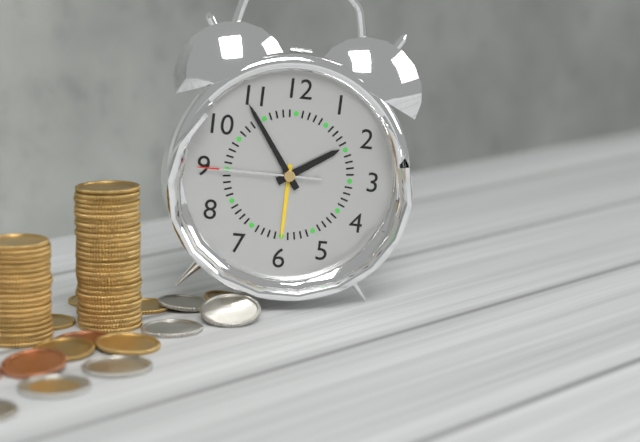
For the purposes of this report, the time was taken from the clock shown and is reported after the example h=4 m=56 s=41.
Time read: h=1 m=54 s=45
